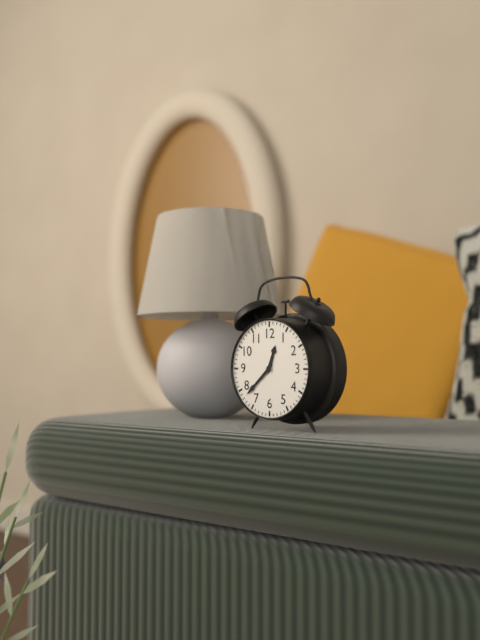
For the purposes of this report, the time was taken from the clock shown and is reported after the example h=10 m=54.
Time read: h=12 m=38
